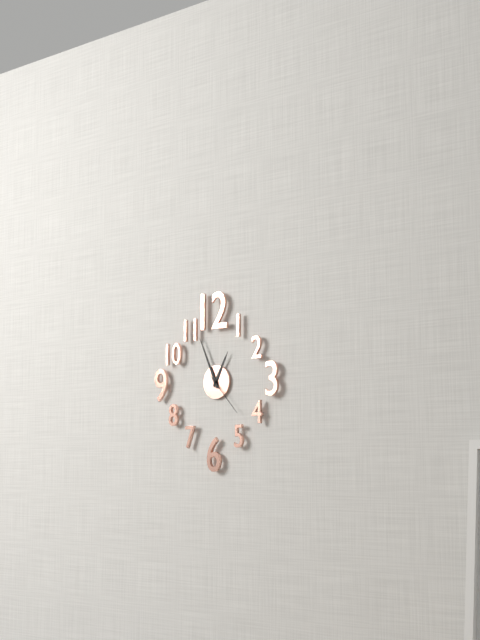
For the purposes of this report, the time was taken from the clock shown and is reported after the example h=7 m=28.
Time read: h=12 m=56
